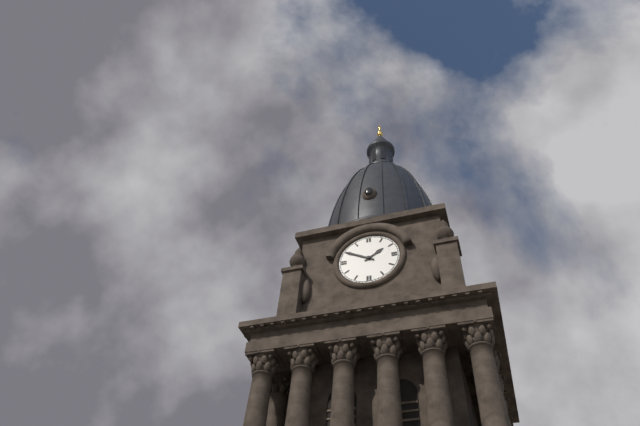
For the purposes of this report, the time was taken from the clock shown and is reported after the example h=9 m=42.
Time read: h=1 m=50
